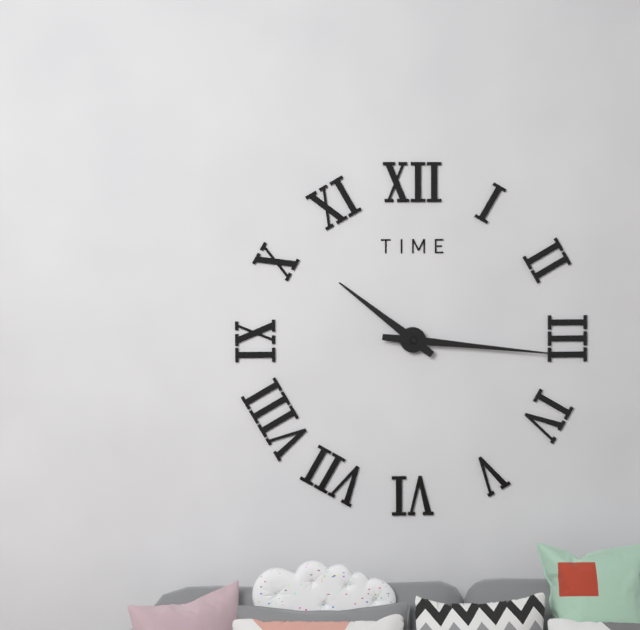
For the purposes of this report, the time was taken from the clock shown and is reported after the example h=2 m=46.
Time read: h=10 m=16
